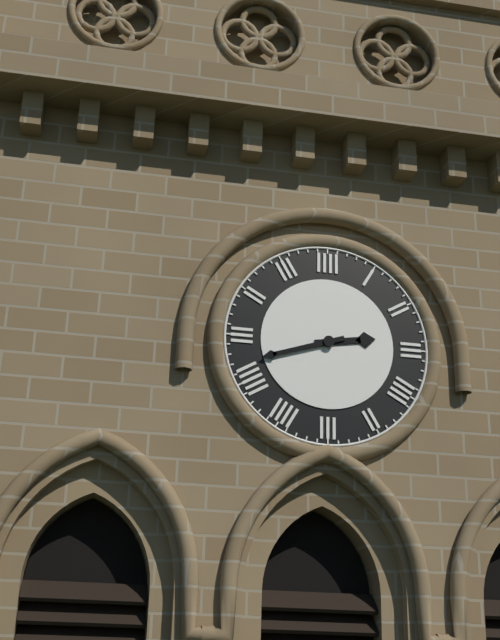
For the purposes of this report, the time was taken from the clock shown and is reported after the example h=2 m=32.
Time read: h=2 m=42
